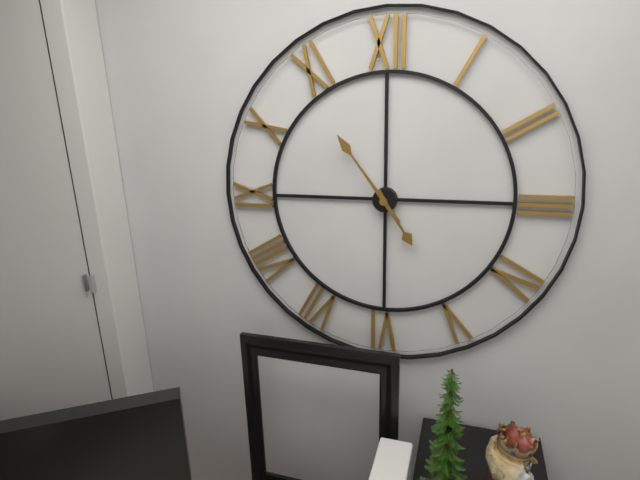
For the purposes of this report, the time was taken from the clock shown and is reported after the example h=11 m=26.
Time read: h=4 m=54
